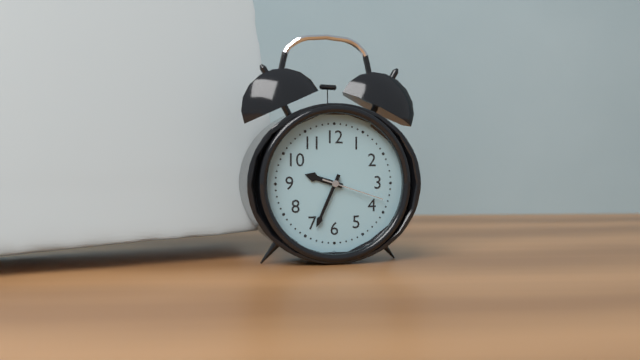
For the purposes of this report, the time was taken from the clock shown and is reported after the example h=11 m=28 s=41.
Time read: h=9 m=34 s=18
